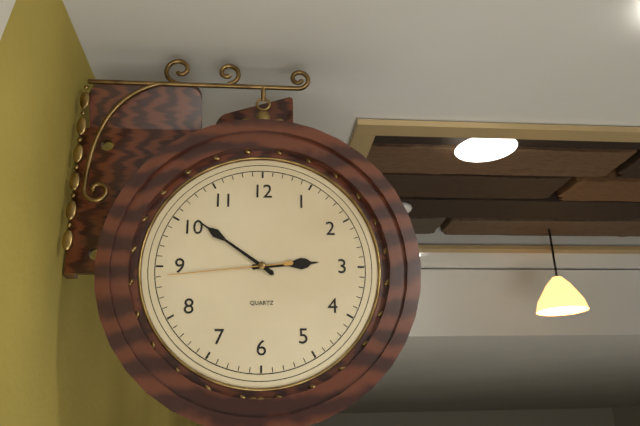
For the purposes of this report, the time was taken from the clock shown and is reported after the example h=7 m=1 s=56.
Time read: h=2 m=51 s=44
